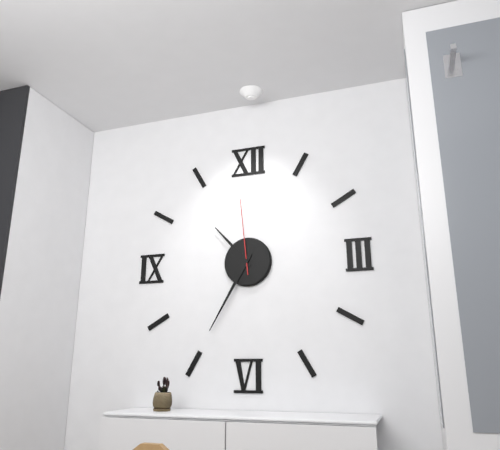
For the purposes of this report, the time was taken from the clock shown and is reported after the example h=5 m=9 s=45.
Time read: h=10 m=35 s=59
